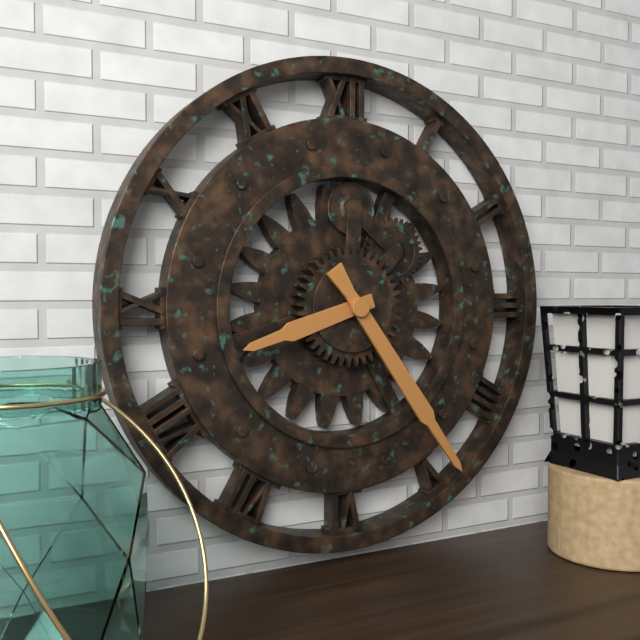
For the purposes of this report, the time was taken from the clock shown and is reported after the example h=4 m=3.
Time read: h=8 m=24
